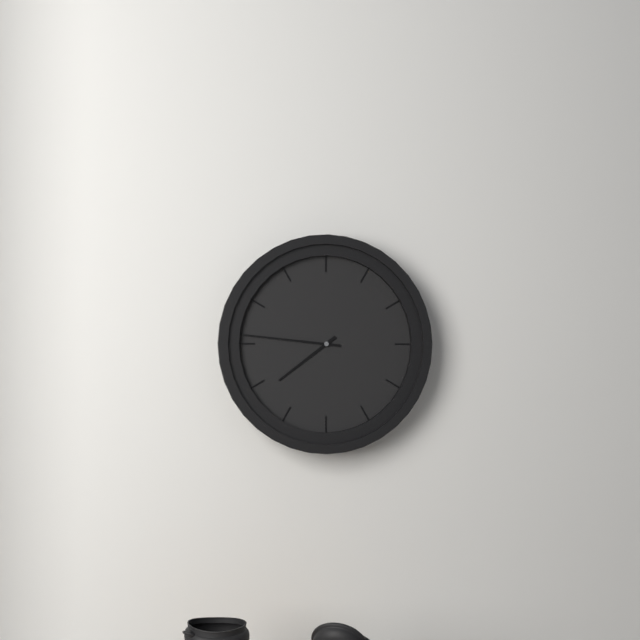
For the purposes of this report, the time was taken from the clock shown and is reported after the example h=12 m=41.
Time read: h=7 m=46
